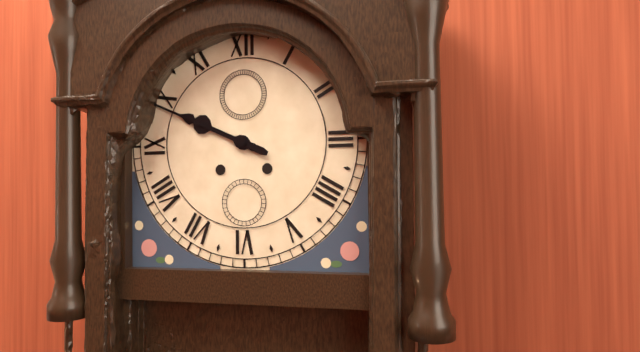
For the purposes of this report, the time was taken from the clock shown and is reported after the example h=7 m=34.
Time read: h=9 m=49
